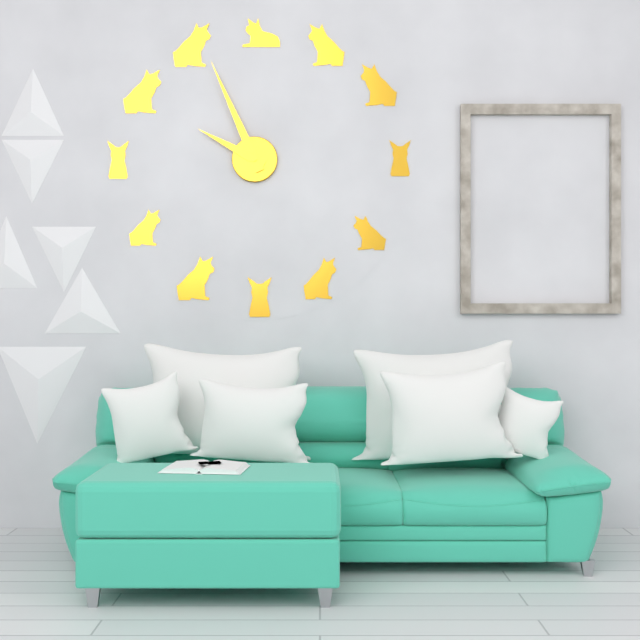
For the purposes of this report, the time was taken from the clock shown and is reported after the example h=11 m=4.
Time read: h=9 m=56
